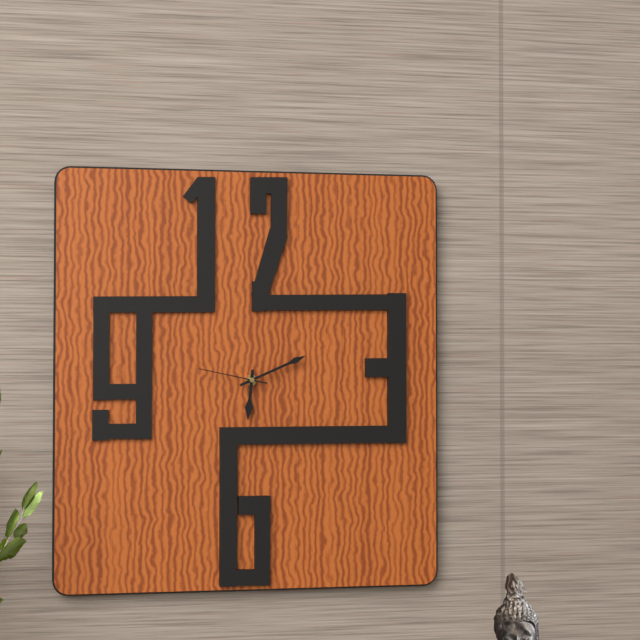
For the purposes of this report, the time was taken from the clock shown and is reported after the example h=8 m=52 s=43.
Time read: h=6 m=11 s=47
